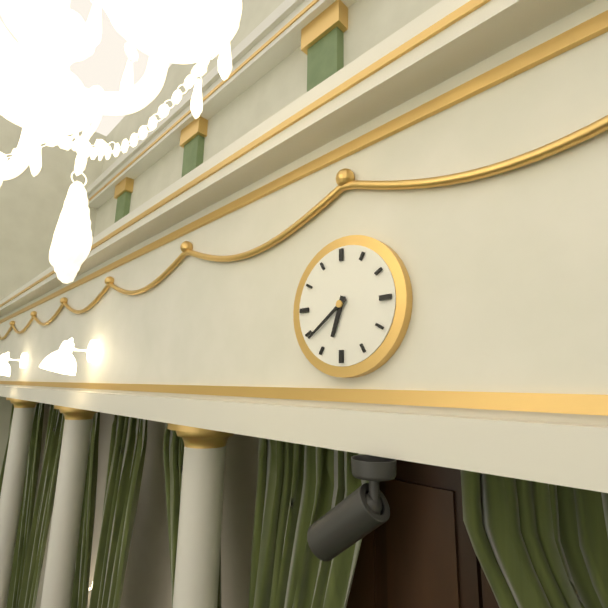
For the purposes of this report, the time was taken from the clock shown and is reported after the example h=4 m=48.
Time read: h=6 m=39
